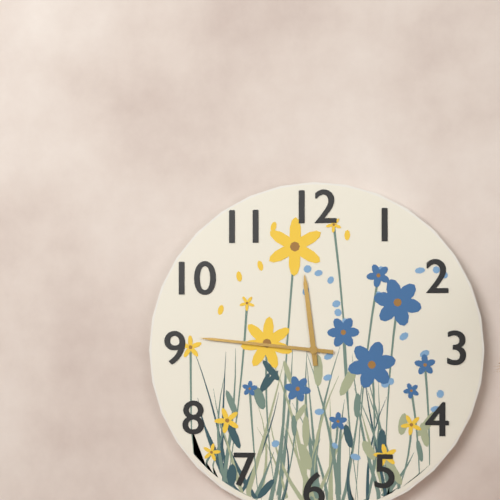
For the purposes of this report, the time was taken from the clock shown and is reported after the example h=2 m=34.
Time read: h=11 m=46
